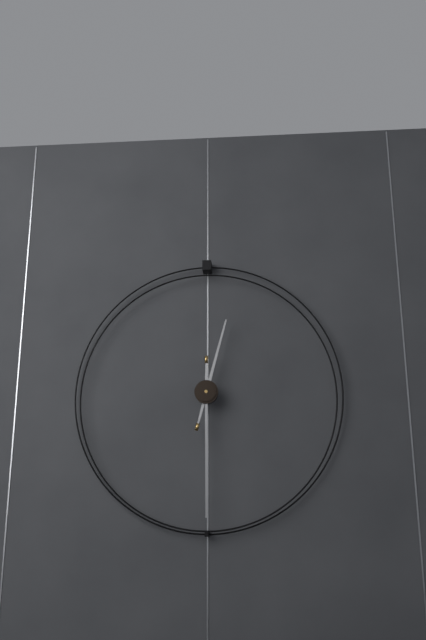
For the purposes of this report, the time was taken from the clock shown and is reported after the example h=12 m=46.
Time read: h=12 m=30
